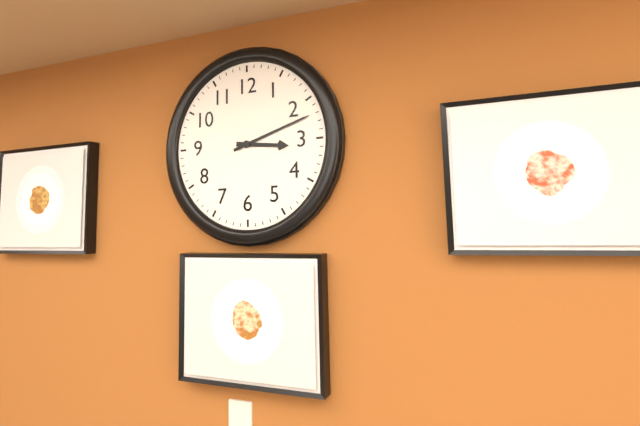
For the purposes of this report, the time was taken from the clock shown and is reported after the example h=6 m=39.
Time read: h=3 m=12
